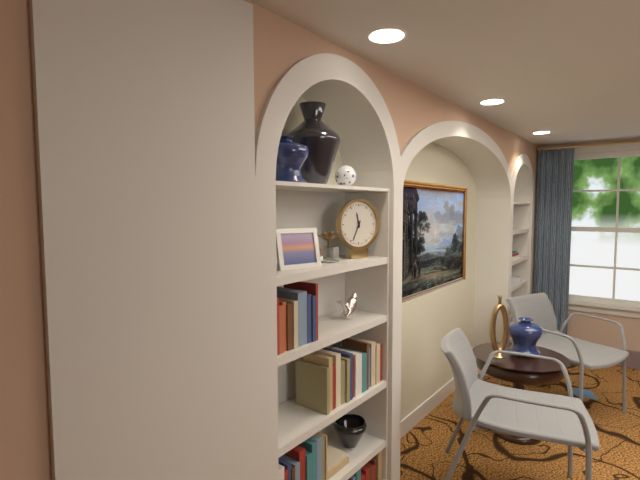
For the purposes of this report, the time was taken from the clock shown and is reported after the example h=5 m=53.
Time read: h=11 m=34
